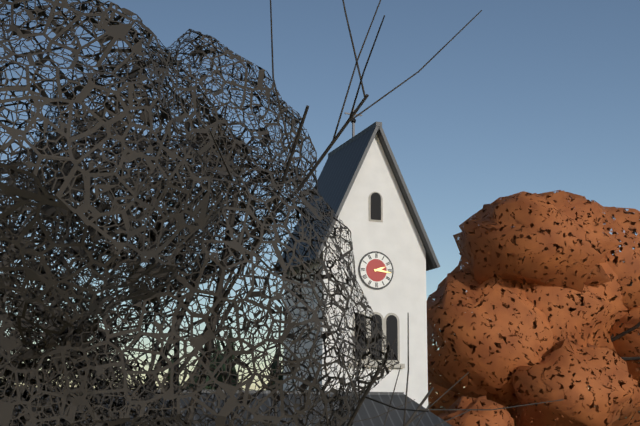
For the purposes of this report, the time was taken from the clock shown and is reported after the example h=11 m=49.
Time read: h=2 m=16
